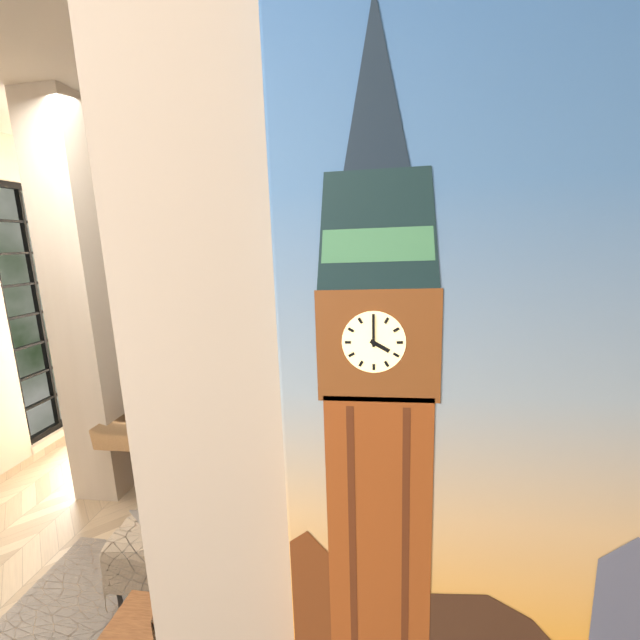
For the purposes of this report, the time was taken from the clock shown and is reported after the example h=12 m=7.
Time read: h=4 m=0
